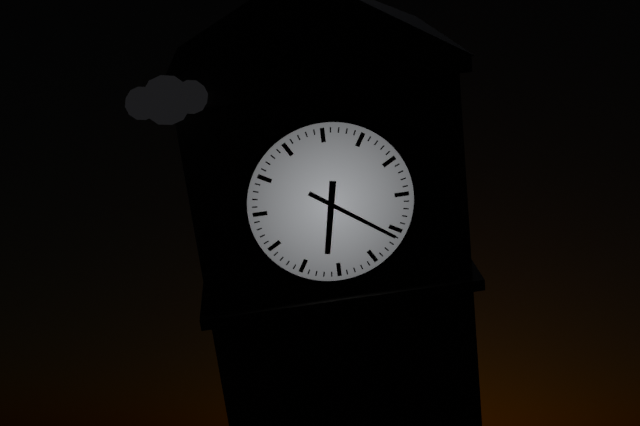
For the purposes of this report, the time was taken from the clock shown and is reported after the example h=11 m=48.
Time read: h=6 m=21
